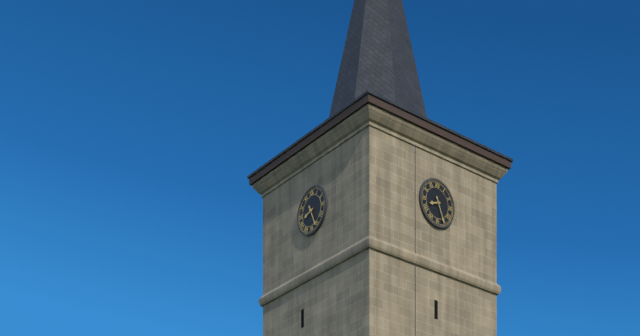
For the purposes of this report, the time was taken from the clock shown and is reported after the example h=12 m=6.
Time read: h=8 m=26
